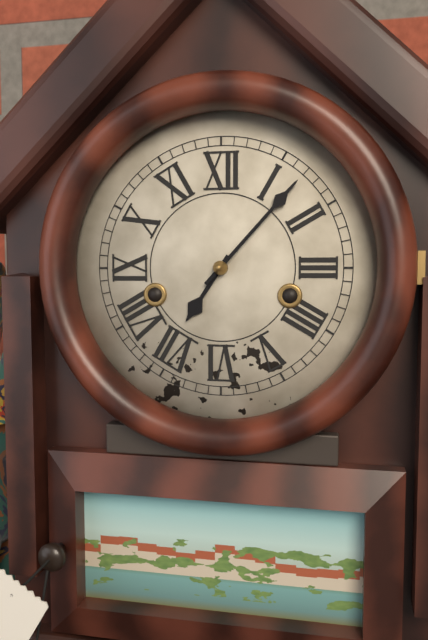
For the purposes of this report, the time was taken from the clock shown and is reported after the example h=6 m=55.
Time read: h=7 m=7
